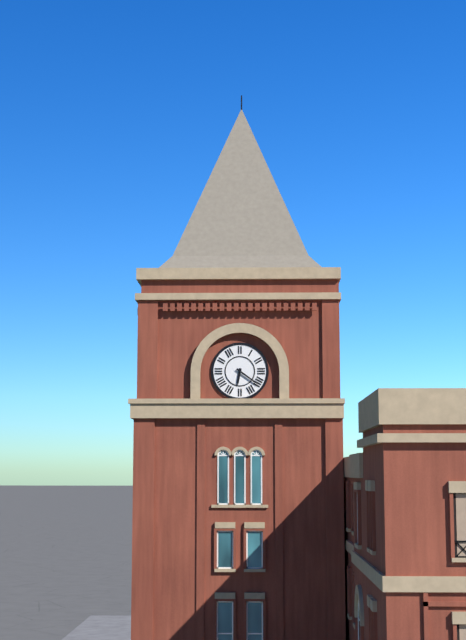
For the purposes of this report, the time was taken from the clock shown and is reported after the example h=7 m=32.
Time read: h=6 m=21
